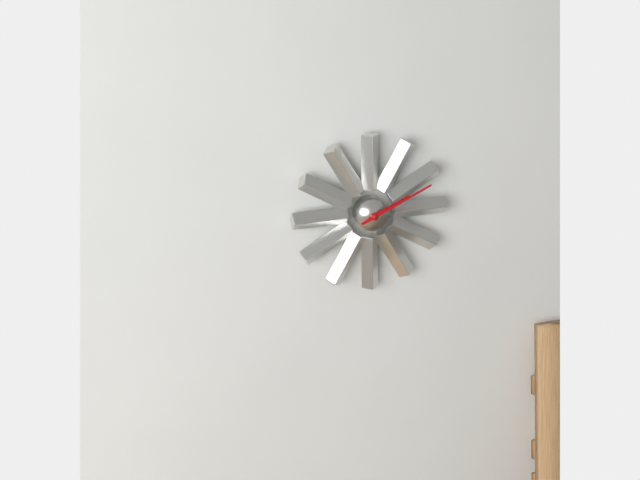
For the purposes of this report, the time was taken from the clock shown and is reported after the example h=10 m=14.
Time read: h=2 m=11
